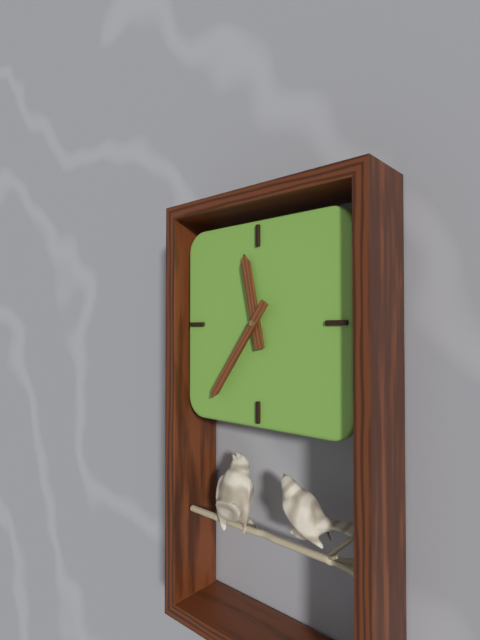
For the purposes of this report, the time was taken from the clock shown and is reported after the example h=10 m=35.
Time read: h=11 m=36
